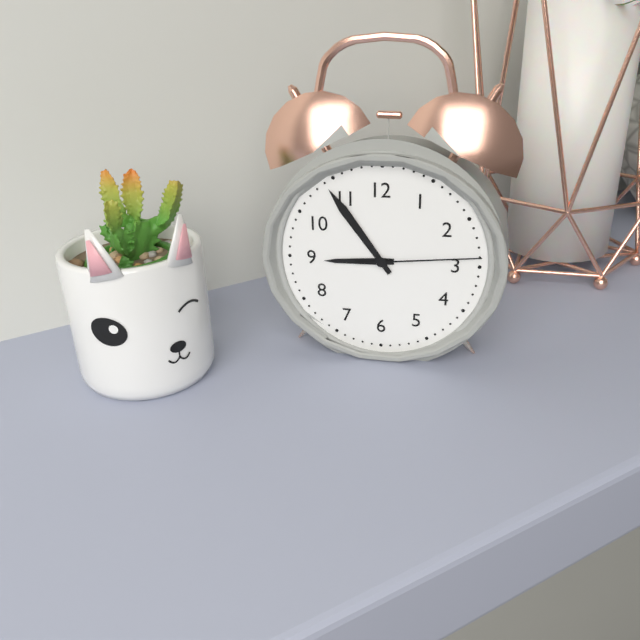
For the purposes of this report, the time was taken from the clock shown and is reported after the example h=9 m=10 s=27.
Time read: h=8 m=54 s=14
